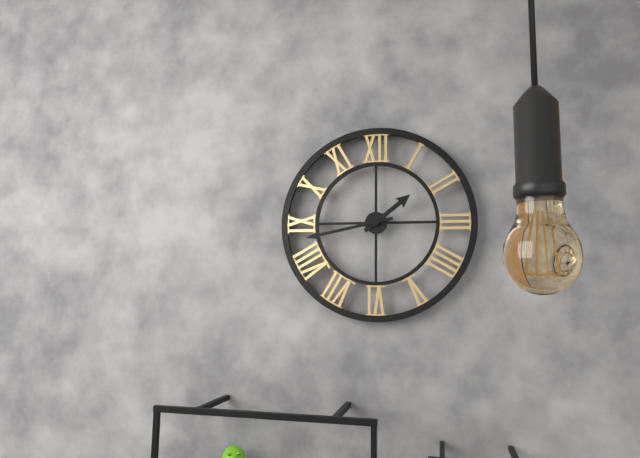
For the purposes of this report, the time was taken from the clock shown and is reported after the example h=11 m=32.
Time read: h=1 m=43
